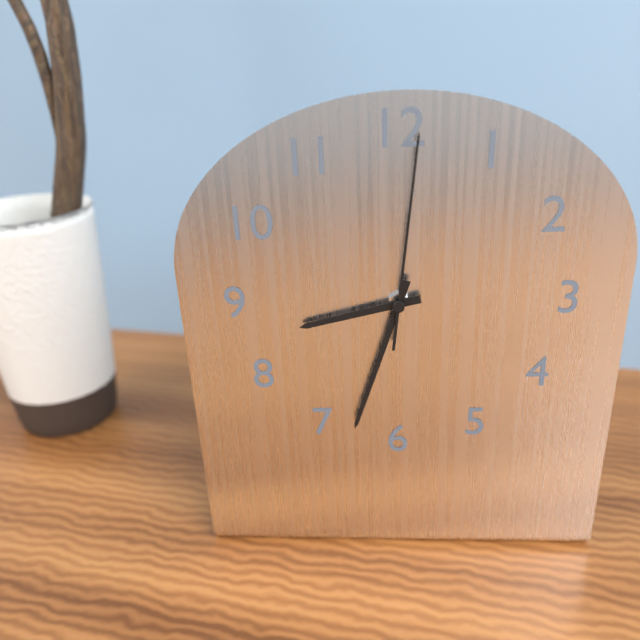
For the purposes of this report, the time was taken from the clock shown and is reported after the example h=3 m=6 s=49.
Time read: h=8 m=33 s=1
